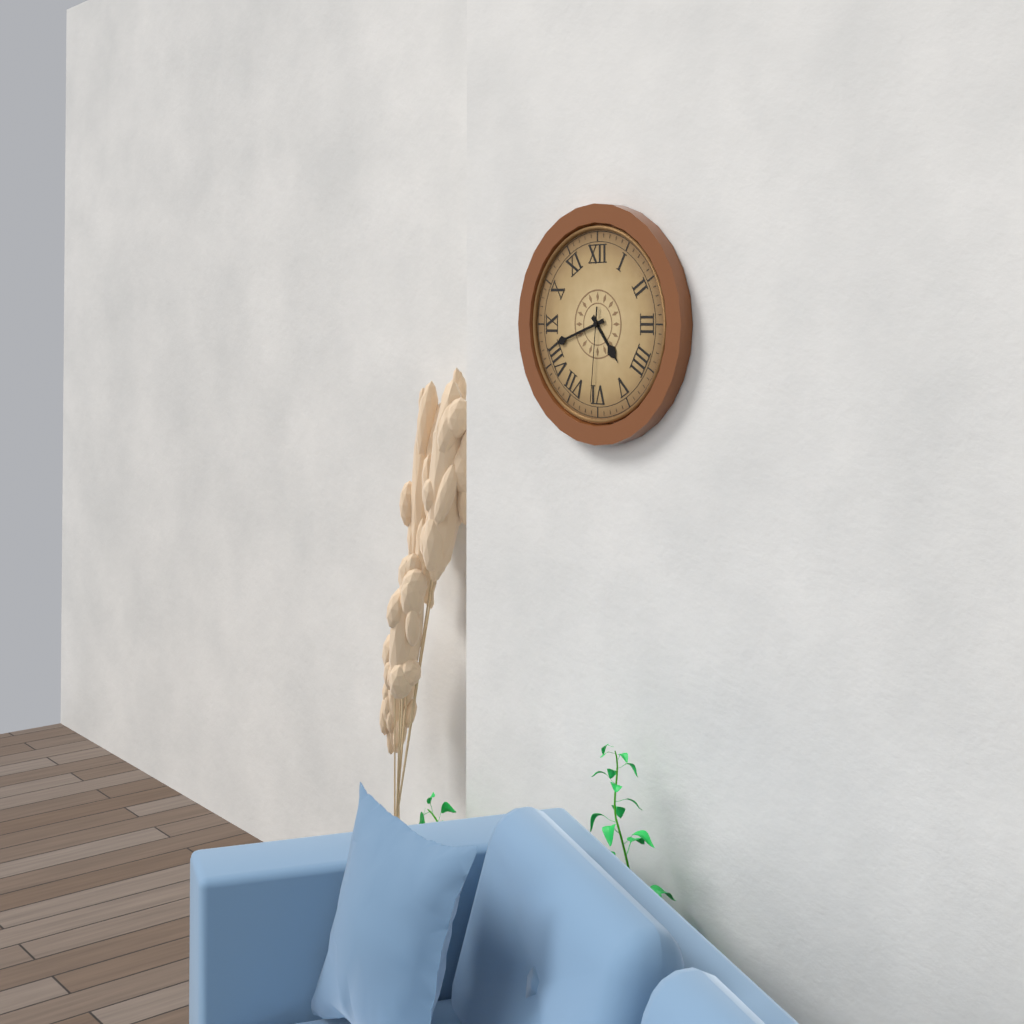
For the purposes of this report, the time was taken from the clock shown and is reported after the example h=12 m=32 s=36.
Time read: h=4 m=42 s=31
